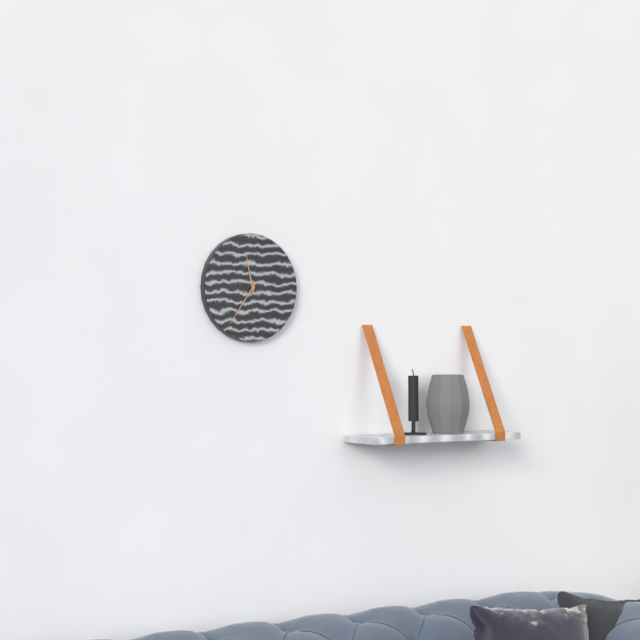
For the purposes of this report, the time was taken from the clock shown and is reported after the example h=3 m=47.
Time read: h=11 m=36
